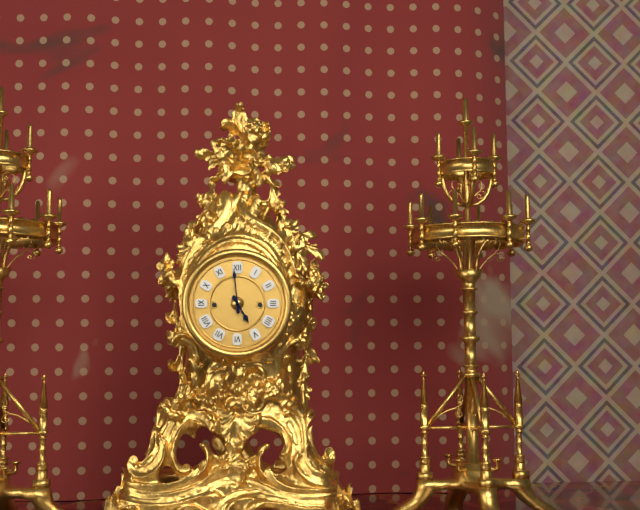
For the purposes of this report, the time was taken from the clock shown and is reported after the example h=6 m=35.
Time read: h=4 m=59
